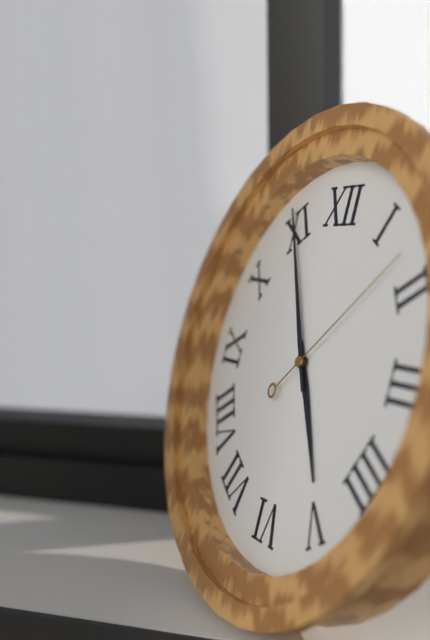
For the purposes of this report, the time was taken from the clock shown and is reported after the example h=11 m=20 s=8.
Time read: h=4 m=55 s=8
